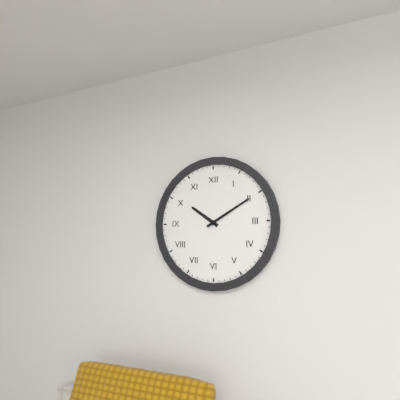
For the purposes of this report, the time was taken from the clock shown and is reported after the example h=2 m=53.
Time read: h=10 m=10
